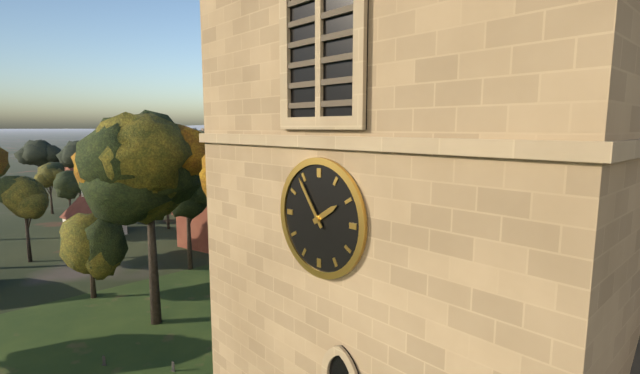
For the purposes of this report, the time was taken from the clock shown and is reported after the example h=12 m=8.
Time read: h=1 m=54
